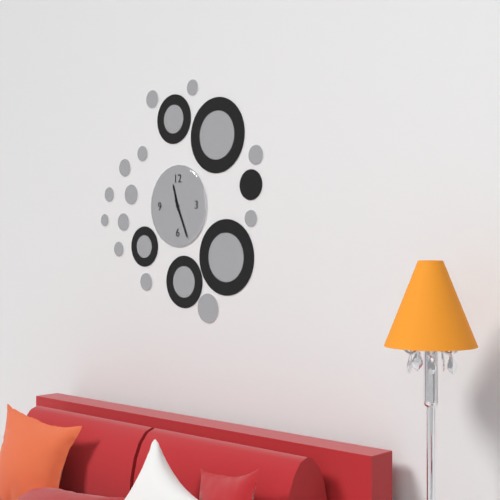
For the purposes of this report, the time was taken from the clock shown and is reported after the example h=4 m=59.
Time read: h=11 m=26
